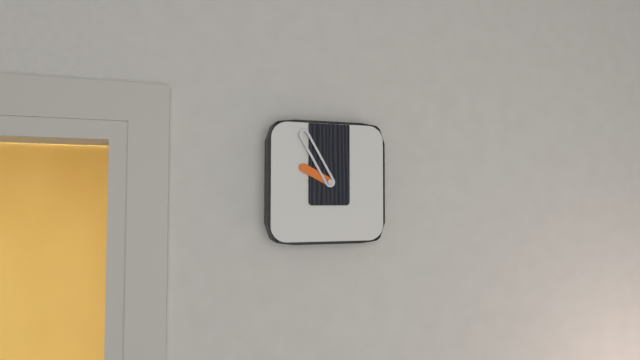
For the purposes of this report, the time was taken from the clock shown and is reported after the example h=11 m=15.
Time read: h=9 m=55
